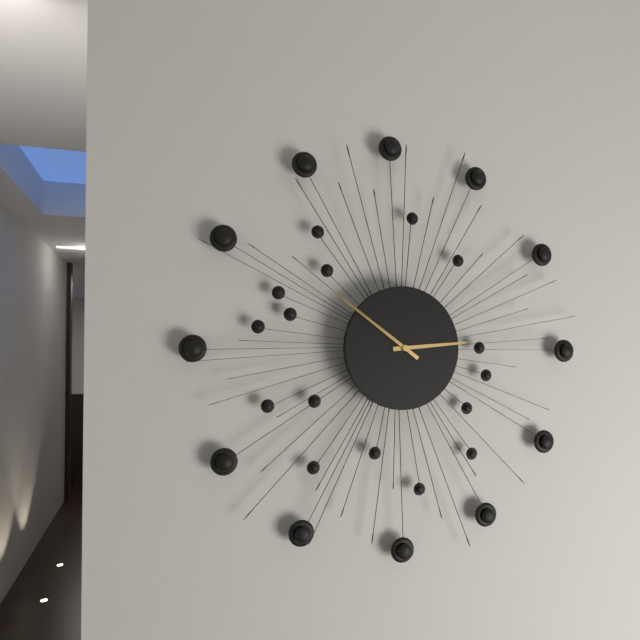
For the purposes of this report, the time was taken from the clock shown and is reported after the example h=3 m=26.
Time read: h=2 m=51
